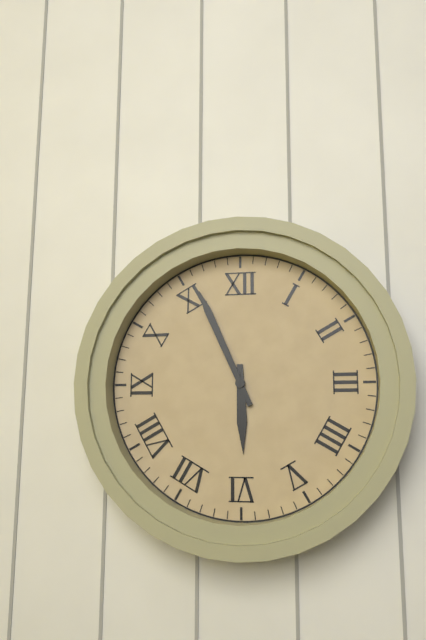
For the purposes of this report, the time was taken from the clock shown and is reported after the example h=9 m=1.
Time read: h=5 m=56
